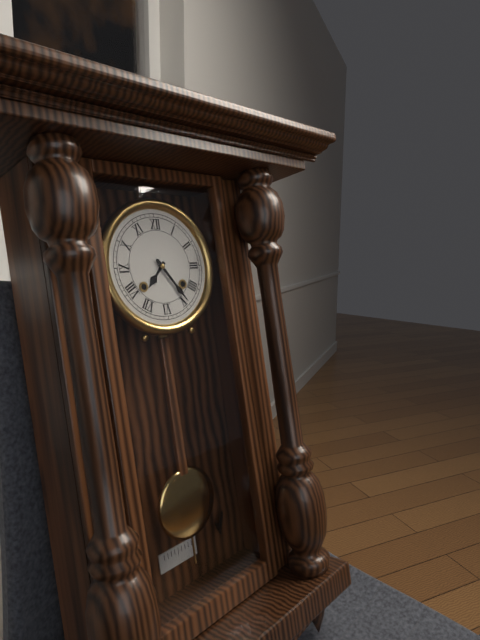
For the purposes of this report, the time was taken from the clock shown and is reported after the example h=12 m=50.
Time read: h=7 m=24
